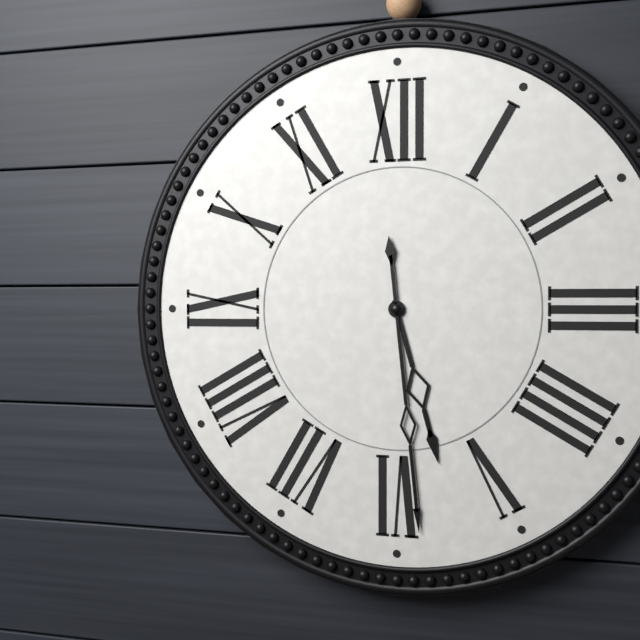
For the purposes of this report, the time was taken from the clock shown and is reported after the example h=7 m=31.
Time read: h=5 m=29
